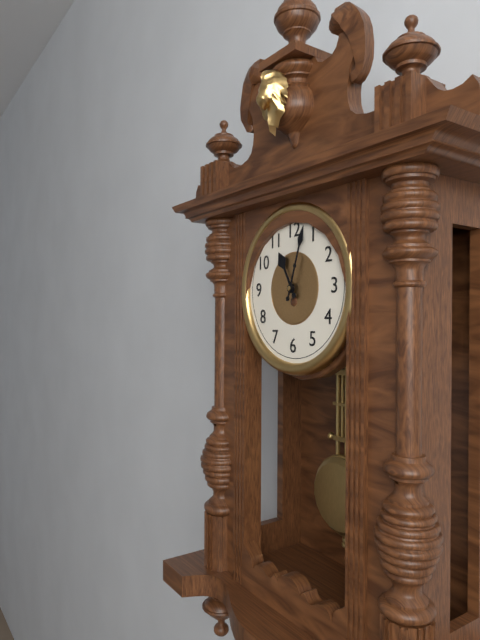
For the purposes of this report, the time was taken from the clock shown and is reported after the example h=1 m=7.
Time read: h=11 m=3
